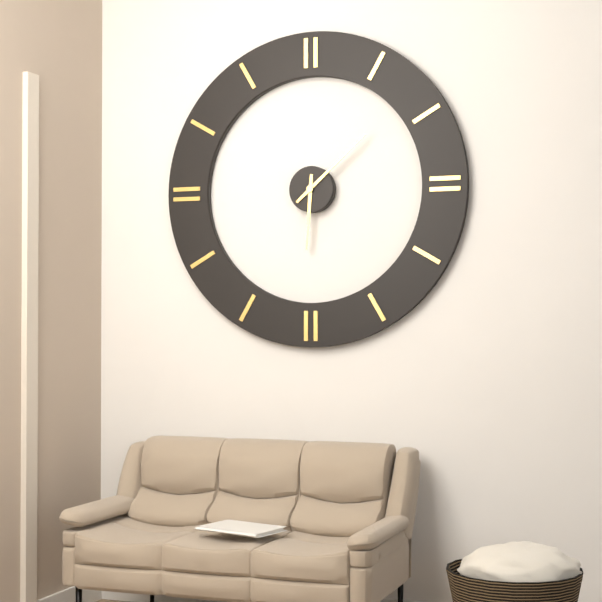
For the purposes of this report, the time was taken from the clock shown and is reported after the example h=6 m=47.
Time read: h=6 m=8
